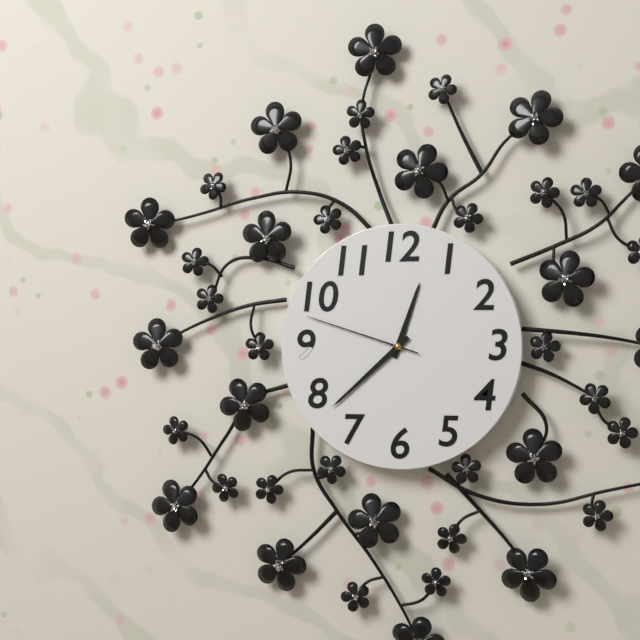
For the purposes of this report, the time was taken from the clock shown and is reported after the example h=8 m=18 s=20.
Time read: h=12 m=38 s=48
